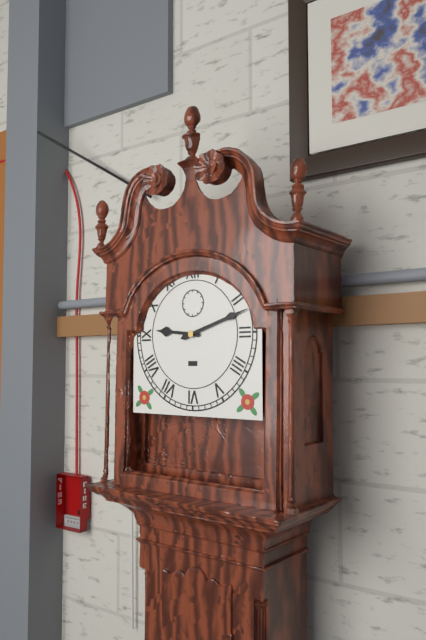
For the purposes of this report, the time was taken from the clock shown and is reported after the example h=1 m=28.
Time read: h=9 m=12
